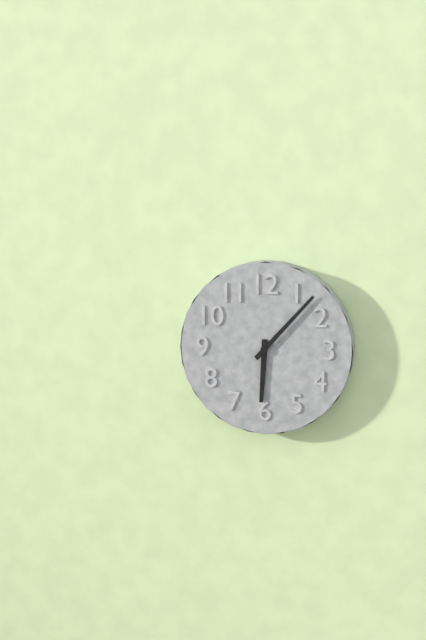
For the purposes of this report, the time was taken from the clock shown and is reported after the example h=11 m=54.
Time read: h=6 m=7
